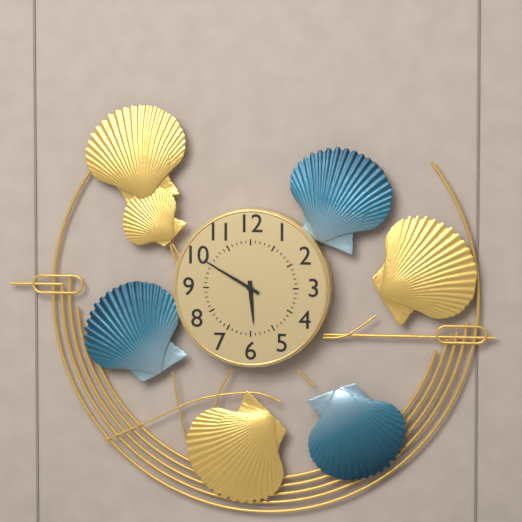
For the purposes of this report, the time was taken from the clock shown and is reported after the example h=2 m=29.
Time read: h=5 m=50
